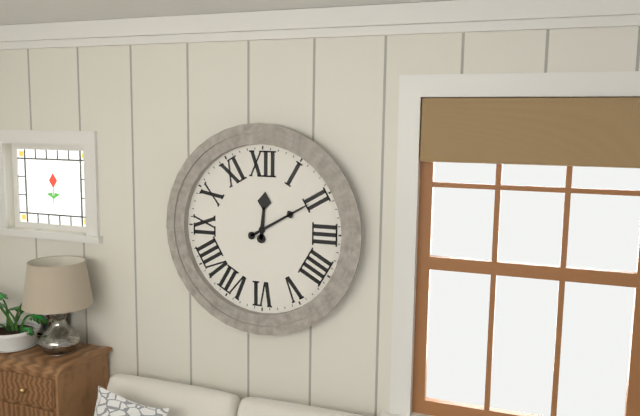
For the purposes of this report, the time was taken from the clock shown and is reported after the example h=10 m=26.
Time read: h=12 m=10
